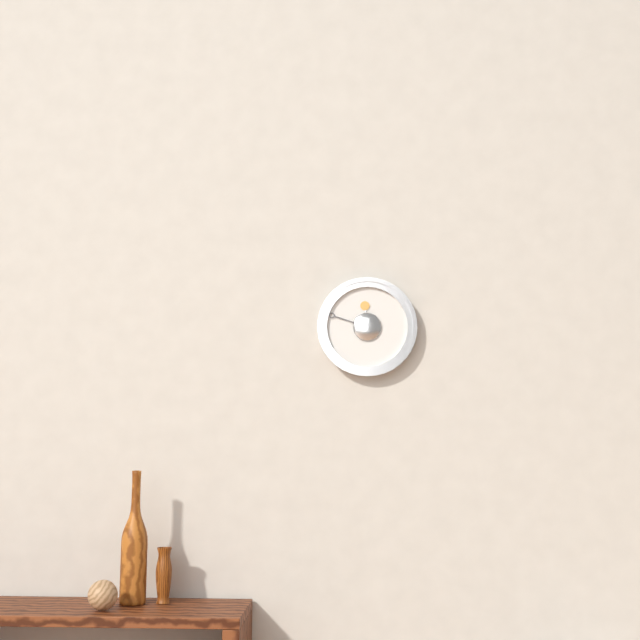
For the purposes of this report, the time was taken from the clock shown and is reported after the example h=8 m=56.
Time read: h=11 m=48
